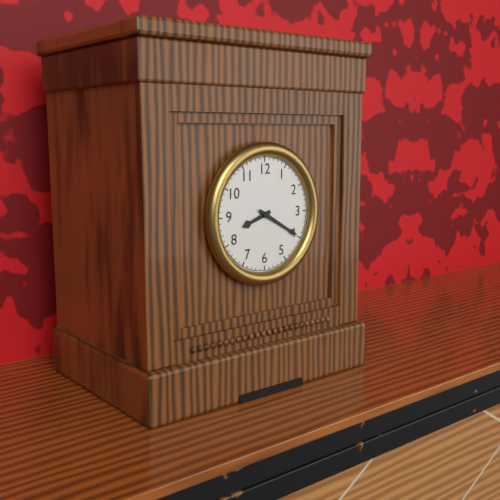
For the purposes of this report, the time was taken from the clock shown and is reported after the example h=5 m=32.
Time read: h=8 m=20
